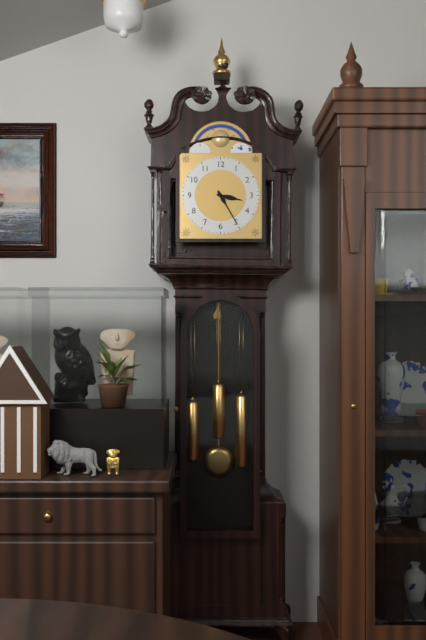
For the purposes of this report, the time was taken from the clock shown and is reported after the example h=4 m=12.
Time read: h=3 m=25
